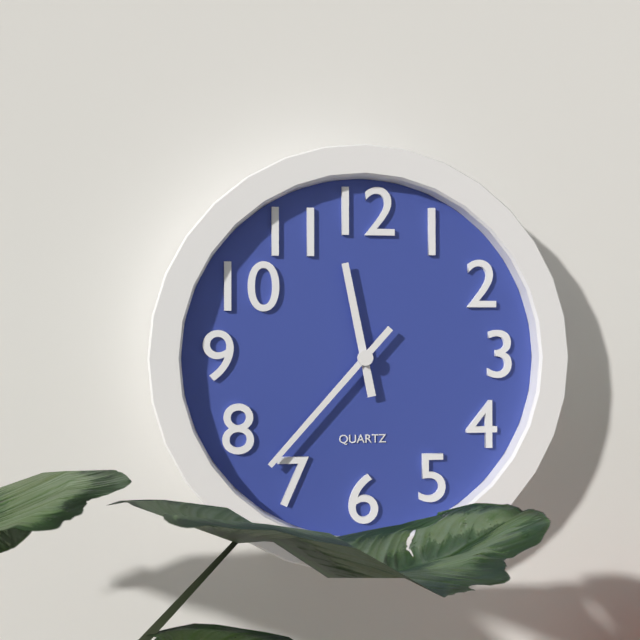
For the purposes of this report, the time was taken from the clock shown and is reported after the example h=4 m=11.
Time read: h=11 m=37
